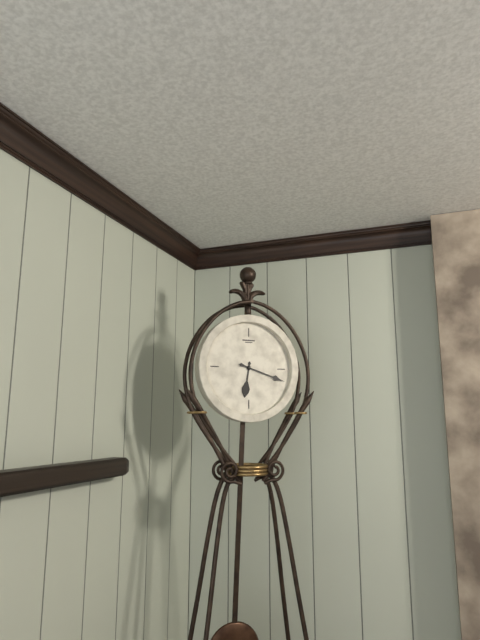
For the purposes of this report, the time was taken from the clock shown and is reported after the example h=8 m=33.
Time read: h=6 m=18
